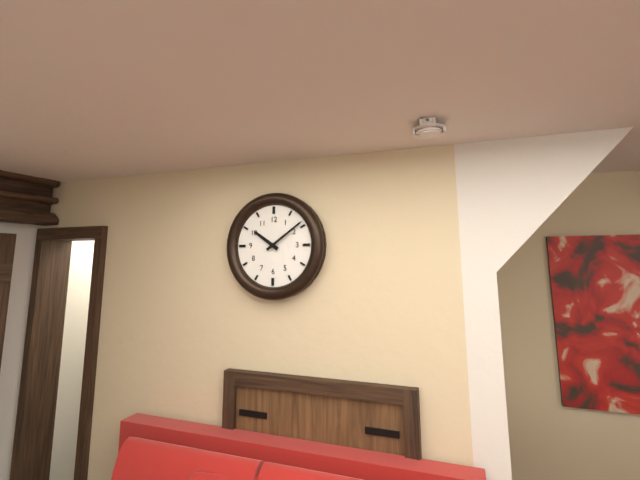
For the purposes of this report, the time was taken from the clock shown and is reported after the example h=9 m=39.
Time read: h=10 m=9
